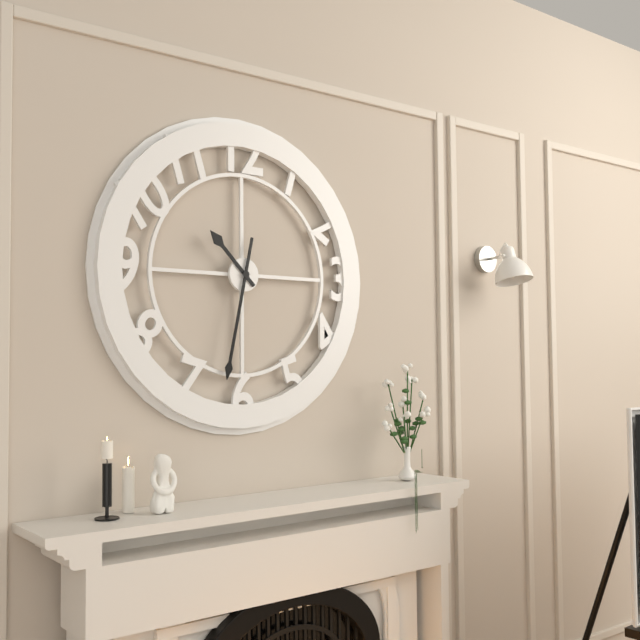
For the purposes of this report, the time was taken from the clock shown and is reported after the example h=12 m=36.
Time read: h=10 m=32
